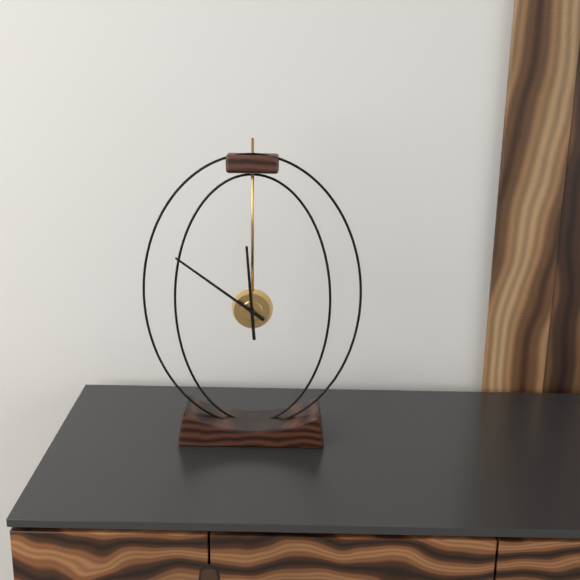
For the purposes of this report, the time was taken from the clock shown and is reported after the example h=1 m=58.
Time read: h=11 m=51
